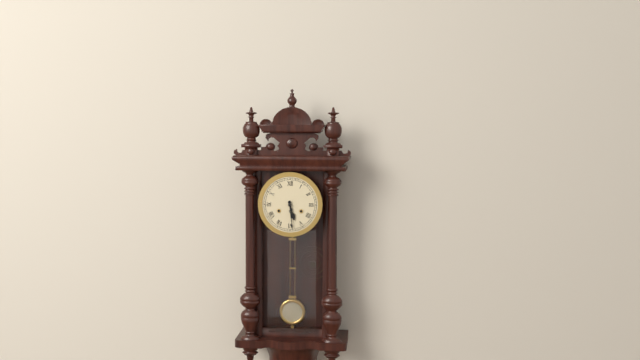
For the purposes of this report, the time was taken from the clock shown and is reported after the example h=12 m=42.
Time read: h=5 m=29
